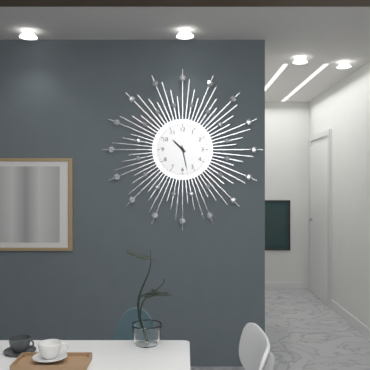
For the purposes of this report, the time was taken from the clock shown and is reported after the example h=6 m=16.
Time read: h=10 m=28
